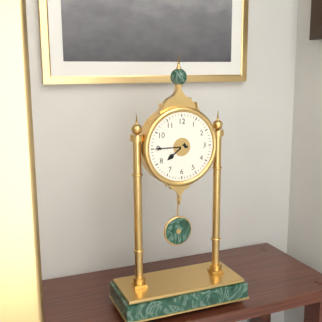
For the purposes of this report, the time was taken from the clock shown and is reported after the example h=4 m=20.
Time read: h=7 m=45
